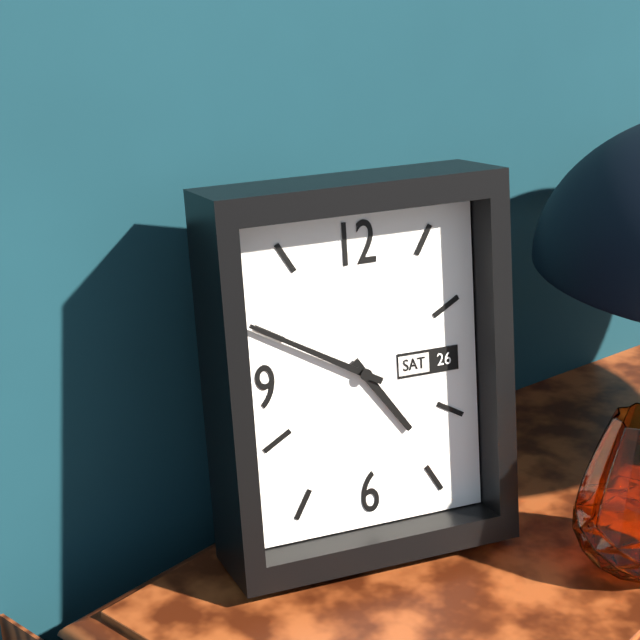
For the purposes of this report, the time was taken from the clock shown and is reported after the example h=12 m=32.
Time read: h=4 m=50
